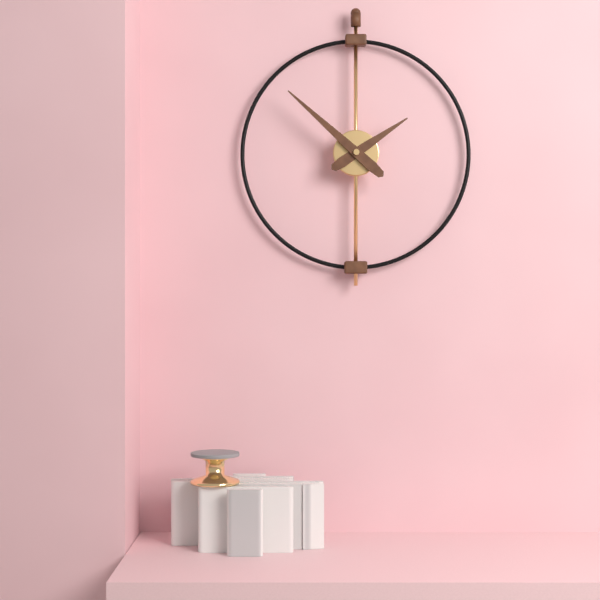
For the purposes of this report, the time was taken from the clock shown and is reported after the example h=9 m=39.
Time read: h=1 m=52
